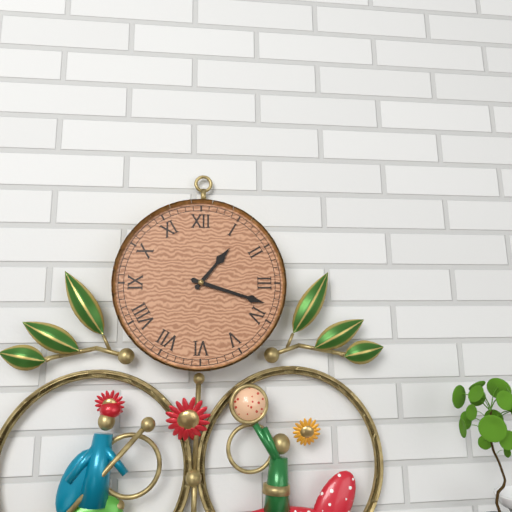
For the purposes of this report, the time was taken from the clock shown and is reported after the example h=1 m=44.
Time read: h=1 m=18
